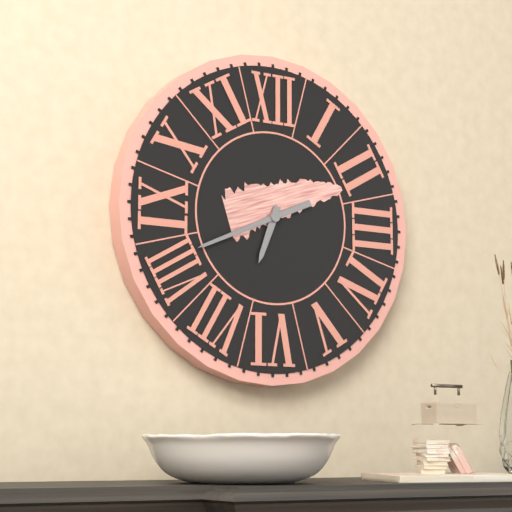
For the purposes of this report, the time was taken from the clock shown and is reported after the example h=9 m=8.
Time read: h=6 m=41
